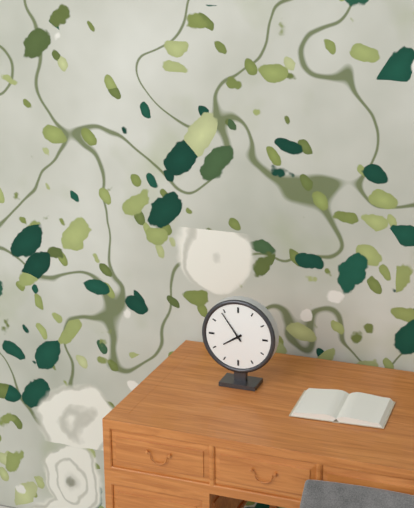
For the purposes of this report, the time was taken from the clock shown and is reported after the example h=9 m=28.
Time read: h=7 m=54
